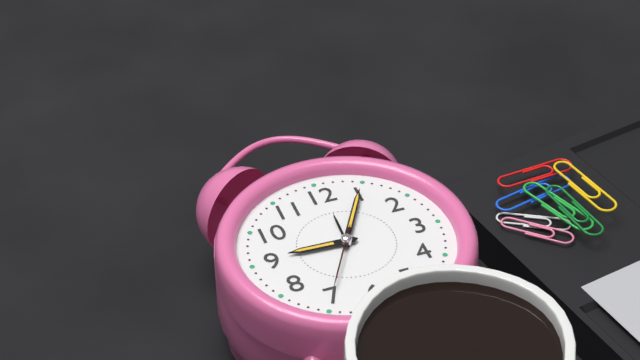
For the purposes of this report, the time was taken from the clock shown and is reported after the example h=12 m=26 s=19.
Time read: h=9 m=5 s=35
